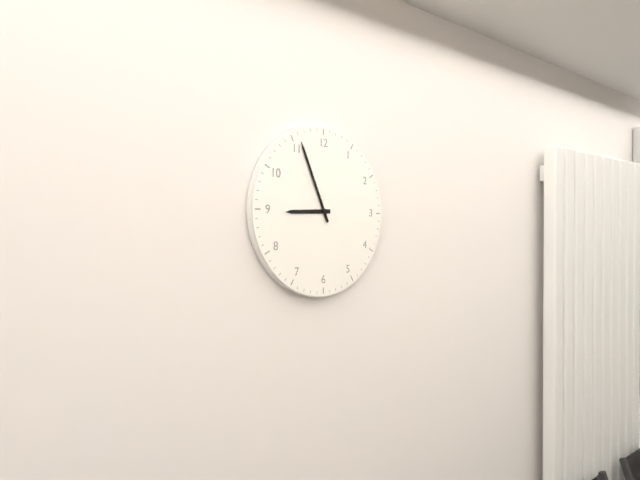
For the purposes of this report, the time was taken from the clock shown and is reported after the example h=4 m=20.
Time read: h=8 m=56
